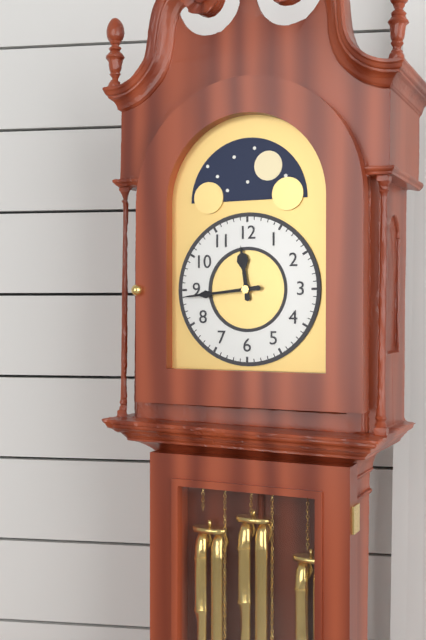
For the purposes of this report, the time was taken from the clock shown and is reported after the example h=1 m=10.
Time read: h=11 m=44
